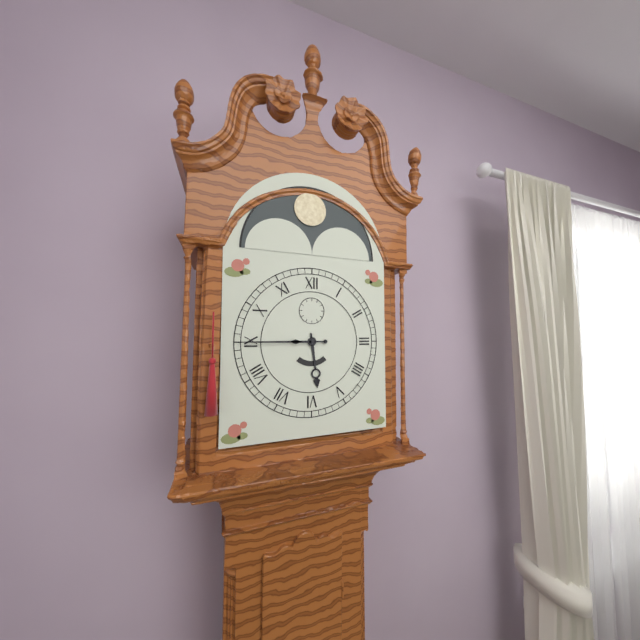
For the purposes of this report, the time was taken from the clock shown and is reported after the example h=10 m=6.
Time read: h=5 m=45
